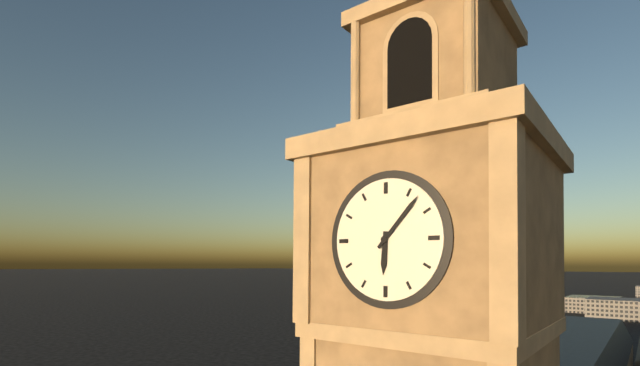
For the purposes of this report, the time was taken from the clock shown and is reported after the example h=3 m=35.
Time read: h=6 m=7
